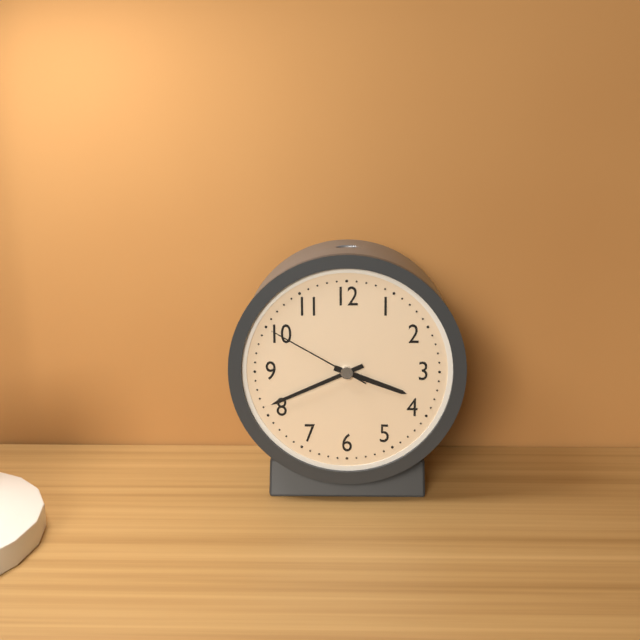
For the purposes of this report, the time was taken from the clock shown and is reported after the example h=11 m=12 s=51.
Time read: h=3 m=41 s=50
